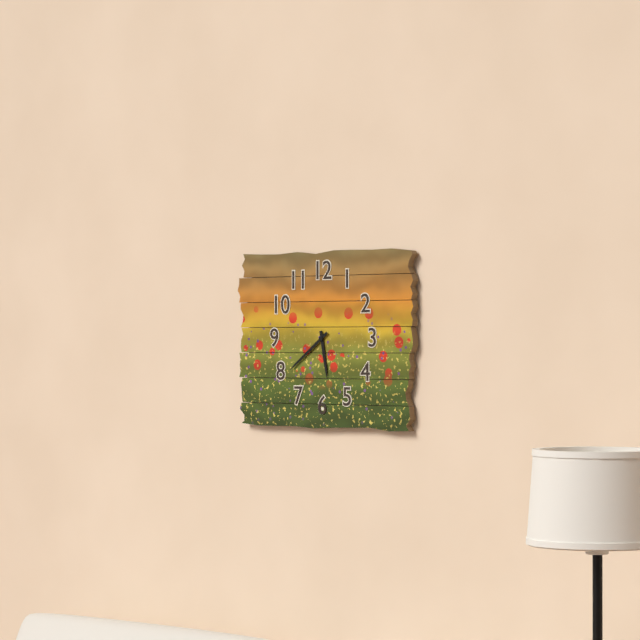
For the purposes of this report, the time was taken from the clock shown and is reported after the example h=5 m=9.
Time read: h=5 m=39
